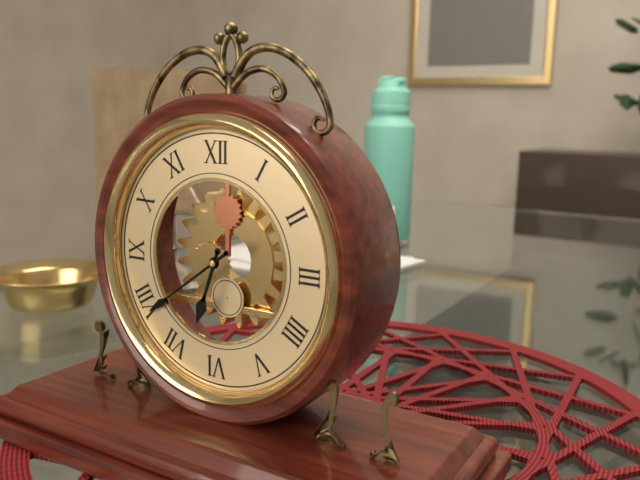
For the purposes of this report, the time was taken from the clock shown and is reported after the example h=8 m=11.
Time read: h=6 m=39
